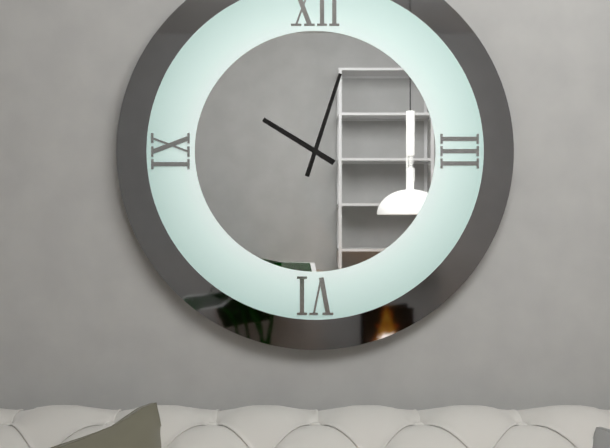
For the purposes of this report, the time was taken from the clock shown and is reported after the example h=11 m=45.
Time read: h=10 m=3
